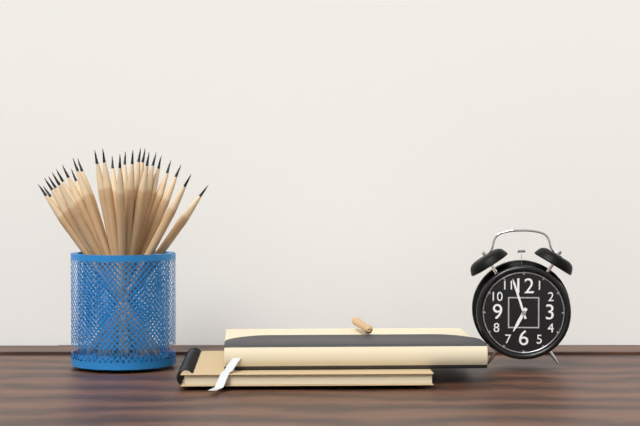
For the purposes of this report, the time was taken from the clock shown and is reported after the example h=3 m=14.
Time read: h=6 m=57
